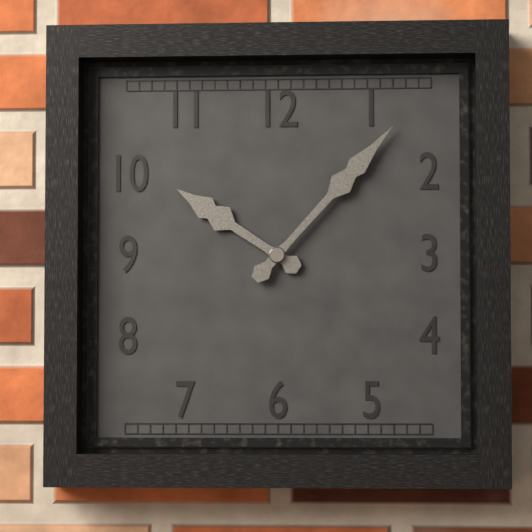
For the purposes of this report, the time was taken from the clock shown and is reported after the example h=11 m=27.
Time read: h=10 m=7
